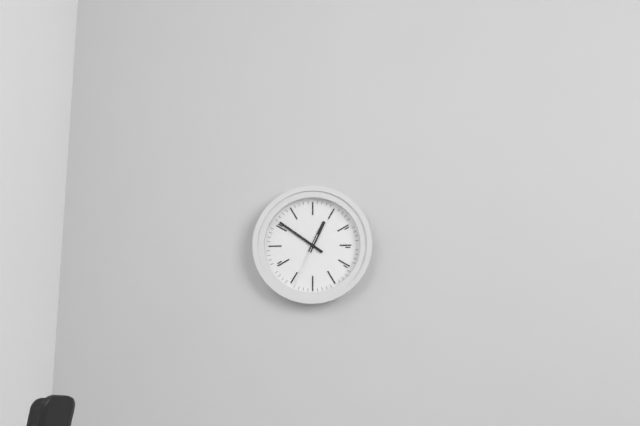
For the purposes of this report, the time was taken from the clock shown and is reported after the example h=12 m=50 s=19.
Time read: h=12 m=51 s=34
